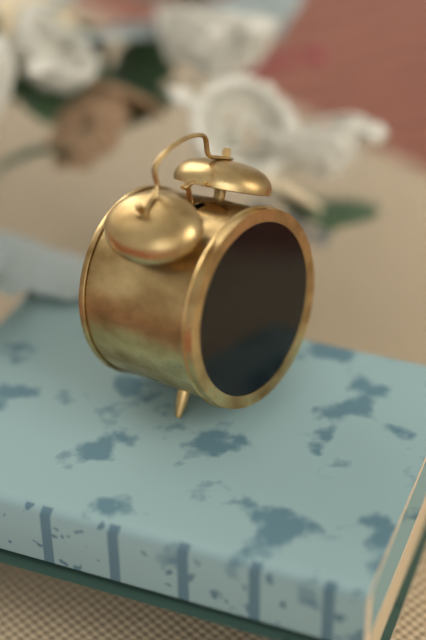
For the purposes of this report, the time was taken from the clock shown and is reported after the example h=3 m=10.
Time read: h=11 m=38
